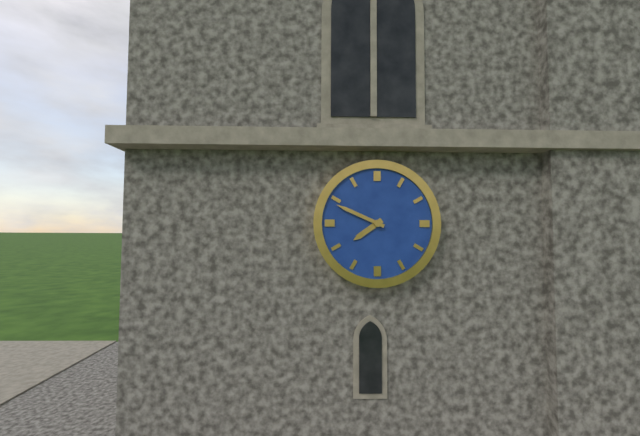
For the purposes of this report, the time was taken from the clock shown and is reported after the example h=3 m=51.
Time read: h=7 m=49
